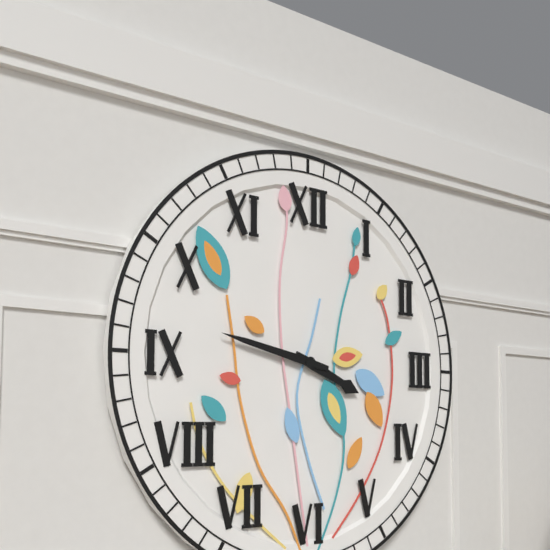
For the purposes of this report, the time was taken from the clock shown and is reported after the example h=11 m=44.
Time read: h=3 m=47
